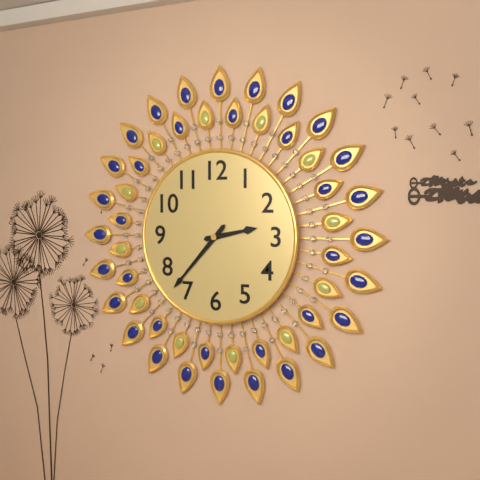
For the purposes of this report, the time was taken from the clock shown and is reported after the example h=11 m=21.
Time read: h=2 m=37
